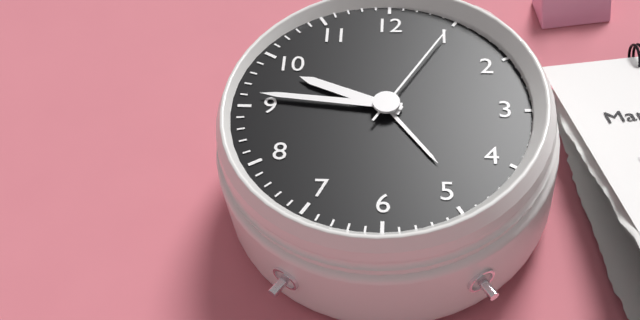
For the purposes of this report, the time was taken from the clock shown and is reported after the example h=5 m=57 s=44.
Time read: h=9 m=46 s=5
